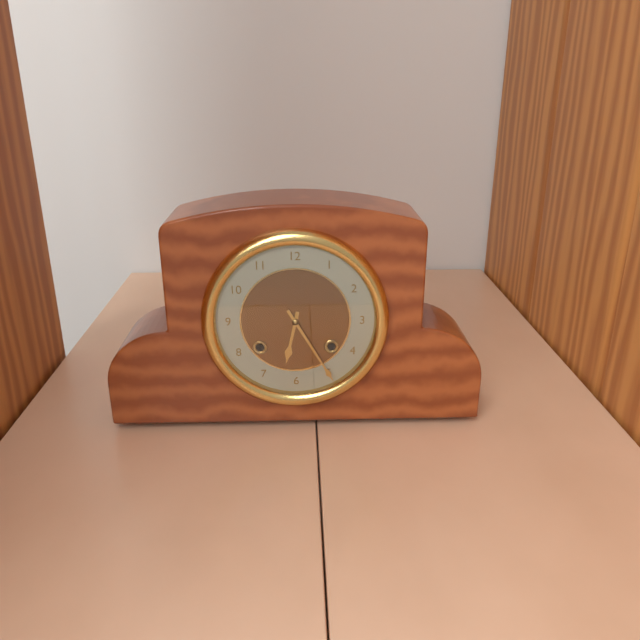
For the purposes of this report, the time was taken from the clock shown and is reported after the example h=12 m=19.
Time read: h=6 m=25
